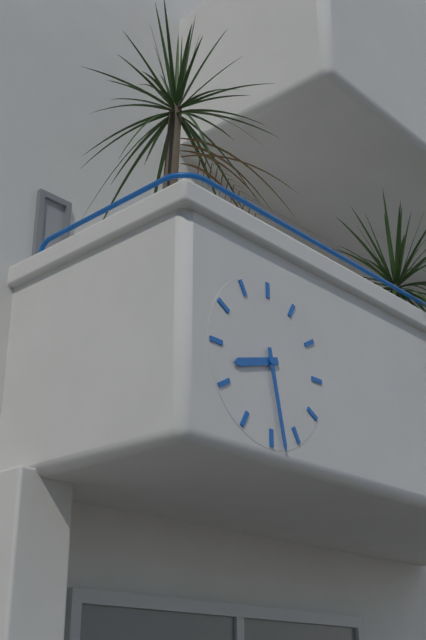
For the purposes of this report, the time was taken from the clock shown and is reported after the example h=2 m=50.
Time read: h=8 m=28
